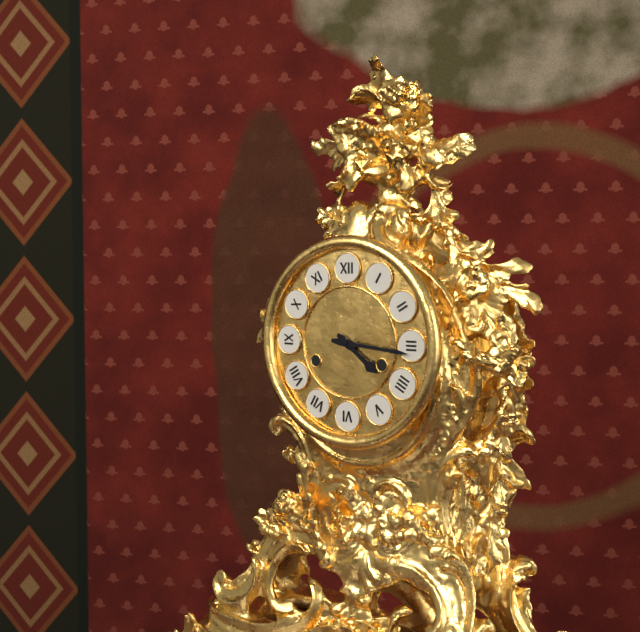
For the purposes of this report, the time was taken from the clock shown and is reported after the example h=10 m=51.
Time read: h=4 m=16
